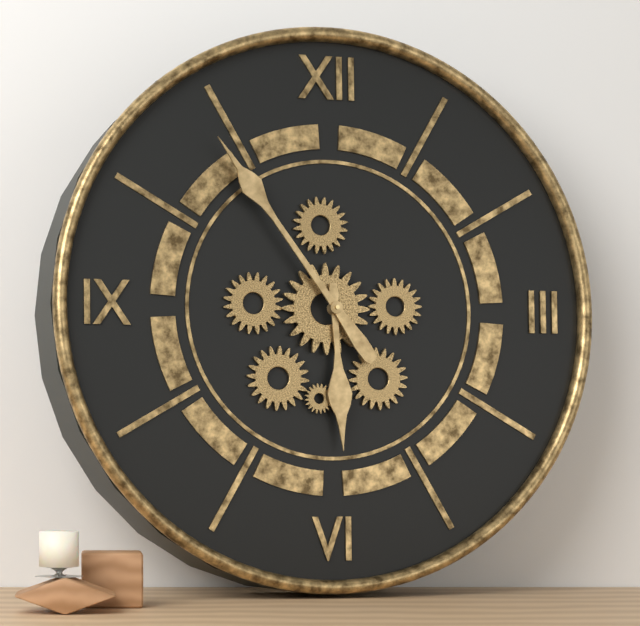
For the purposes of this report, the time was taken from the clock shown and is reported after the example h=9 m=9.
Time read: h=5 m=54
